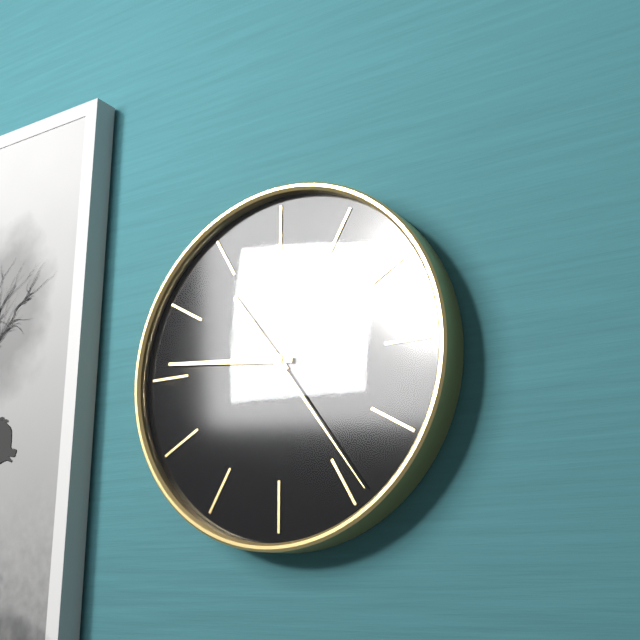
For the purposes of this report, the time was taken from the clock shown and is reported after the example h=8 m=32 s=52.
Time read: h=10 m=46 s=24
